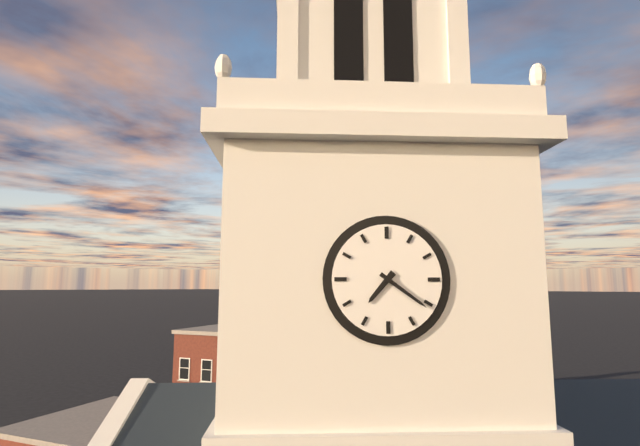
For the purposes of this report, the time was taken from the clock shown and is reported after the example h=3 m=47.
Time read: h=7 m=21
